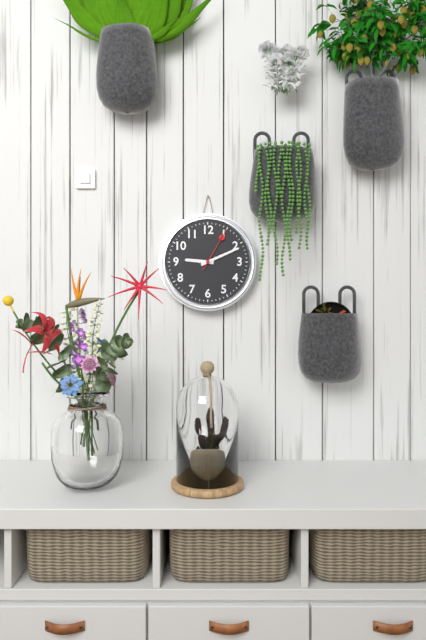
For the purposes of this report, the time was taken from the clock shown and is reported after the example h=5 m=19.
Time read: h=9 m=11
